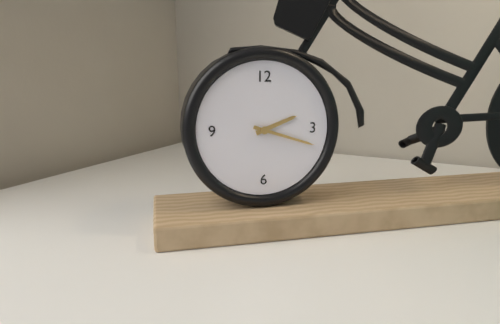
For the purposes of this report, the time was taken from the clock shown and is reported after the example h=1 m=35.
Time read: h=2 m=18
